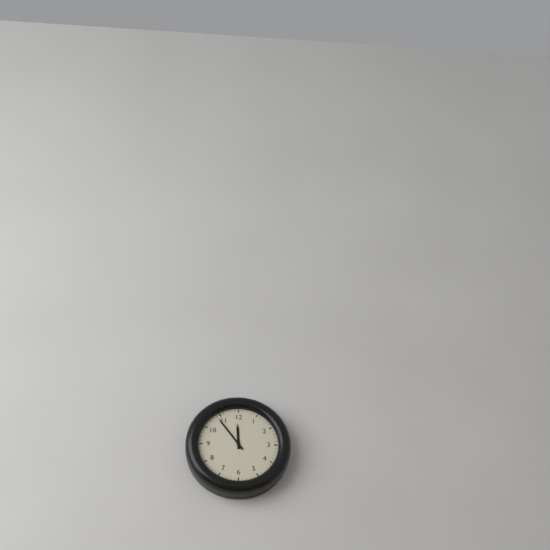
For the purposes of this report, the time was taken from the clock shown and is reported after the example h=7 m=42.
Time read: h=11 m=54
